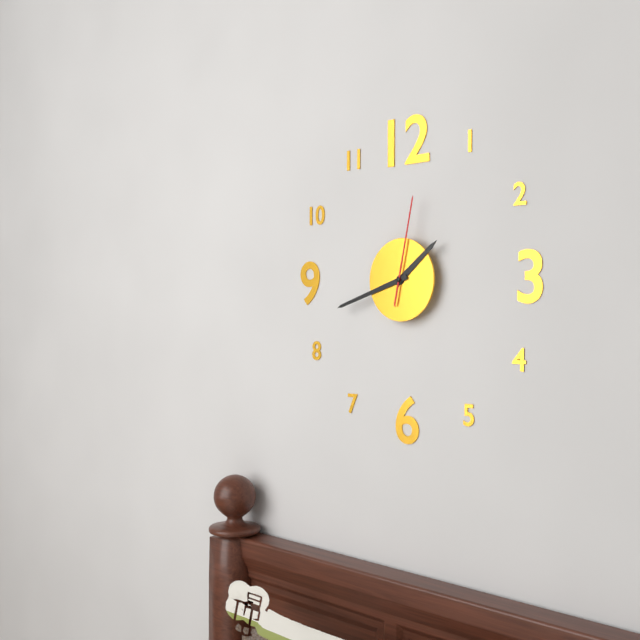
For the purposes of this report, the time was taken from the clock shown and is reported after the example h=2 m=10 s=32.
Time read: h=1 m=42 s=2
